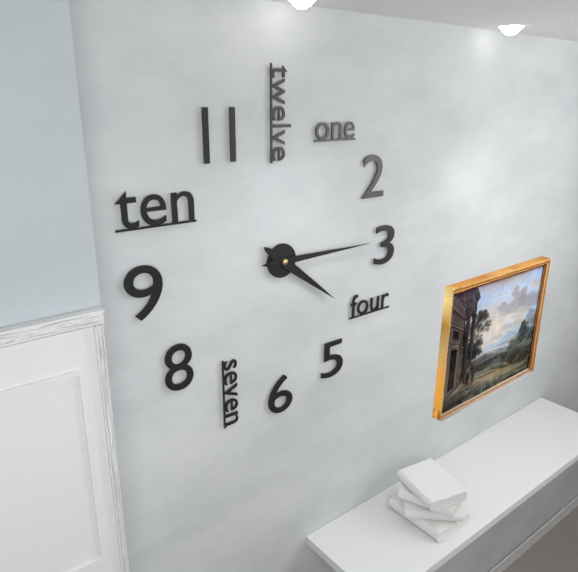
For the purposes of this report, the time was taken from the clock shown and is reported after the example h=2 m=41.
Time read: h=4 m=15
